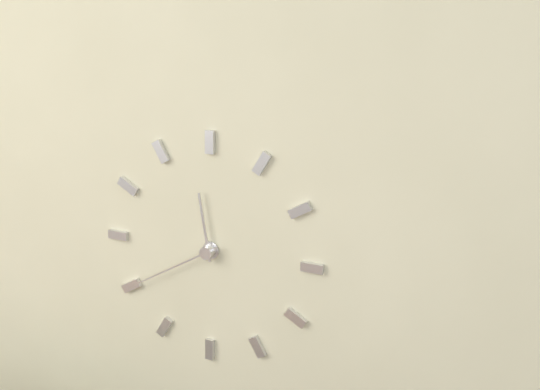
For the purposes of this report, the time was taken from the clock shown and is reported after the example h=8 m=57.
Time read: h=11 m=40
